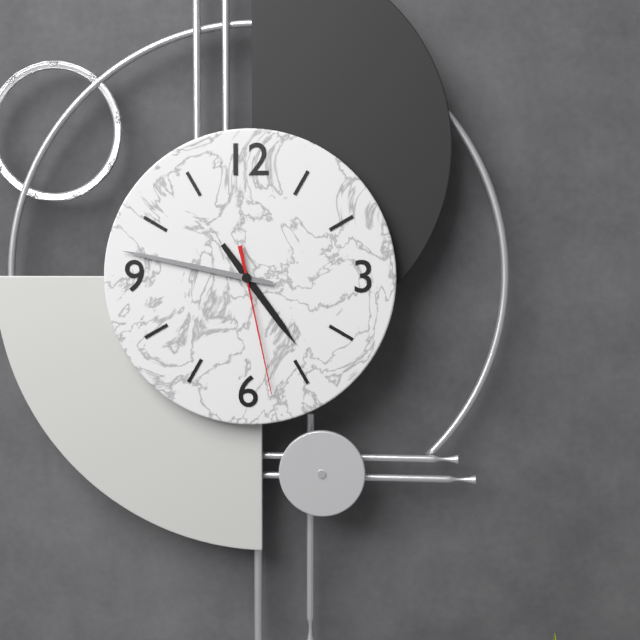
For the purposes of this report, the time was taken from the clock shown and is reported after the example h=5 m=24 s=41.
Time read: h=4 m=47 s=28
